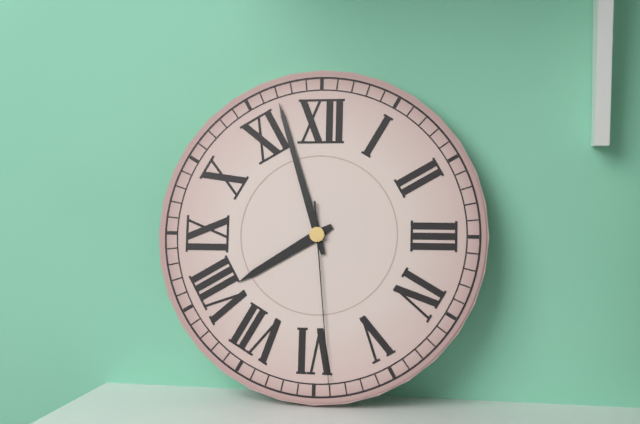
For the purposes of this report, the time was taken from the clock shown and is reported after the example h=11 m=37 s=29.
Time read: h=7 m=57 s=29
